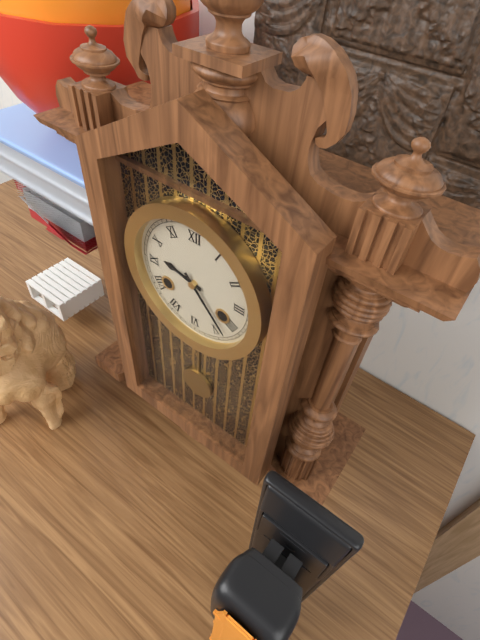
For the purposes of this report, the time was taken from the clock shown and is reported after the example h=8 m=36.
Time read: h=9 m=23
